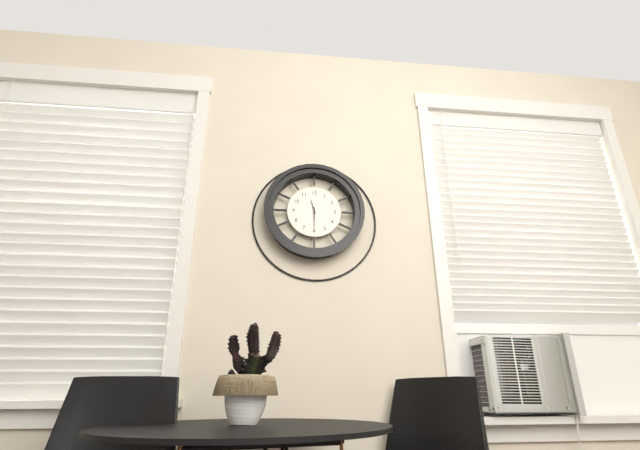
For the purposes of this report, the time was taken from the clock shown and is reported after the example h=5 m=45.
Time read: h=11 m=30
